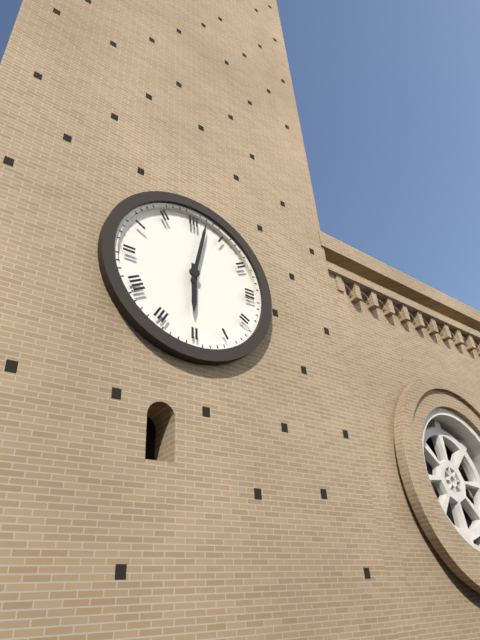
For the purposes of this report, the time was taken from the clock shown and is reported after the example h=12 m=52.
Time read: h=6 m=2
